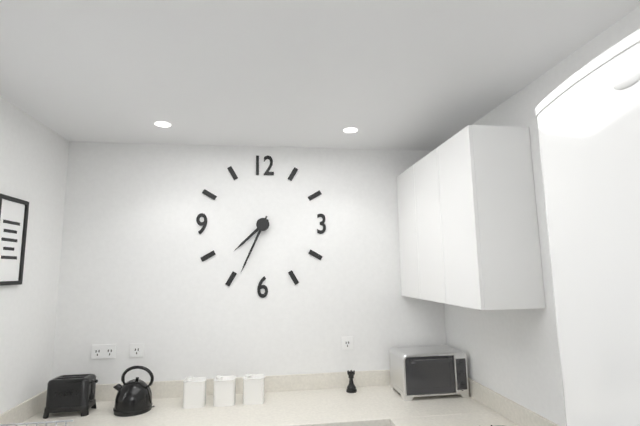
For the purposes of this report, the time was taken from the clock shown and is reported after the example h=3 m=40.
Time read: h=7 m=34
